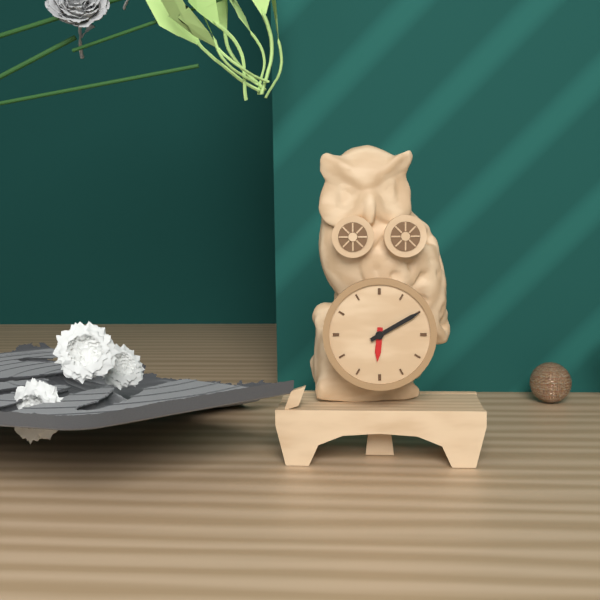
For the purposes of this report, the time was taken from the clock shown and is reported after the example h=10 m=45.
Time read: h=6 m=10
